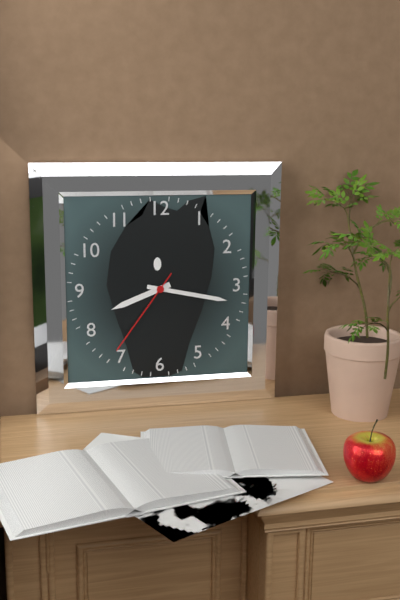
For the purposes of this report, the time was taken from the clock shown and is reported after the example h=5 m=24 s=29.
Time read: h=8 m=17 s=36
